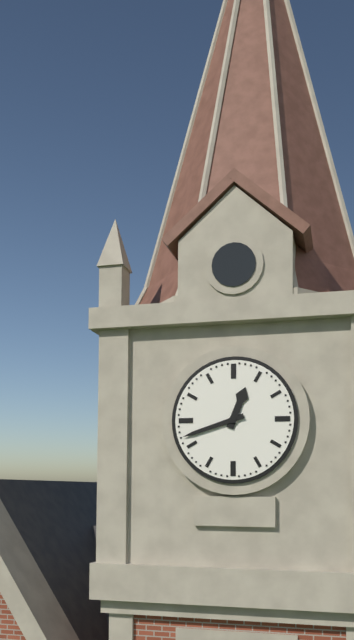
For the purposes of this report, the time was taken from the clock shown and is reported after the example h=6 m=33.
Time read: h=12 m=42
